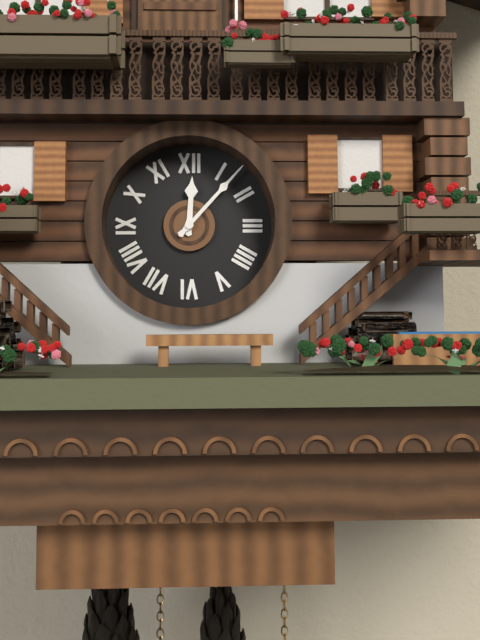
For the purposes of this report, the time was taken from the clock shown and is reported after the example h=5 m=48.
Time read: h=12 m=7
